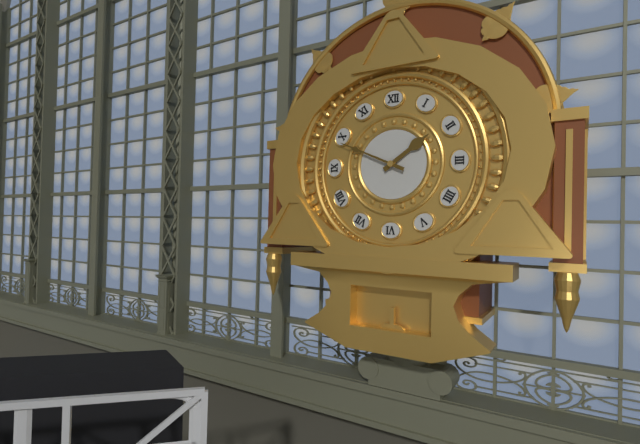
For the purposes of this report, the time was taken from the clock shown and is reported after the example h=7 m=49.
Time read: h=1 m=49
